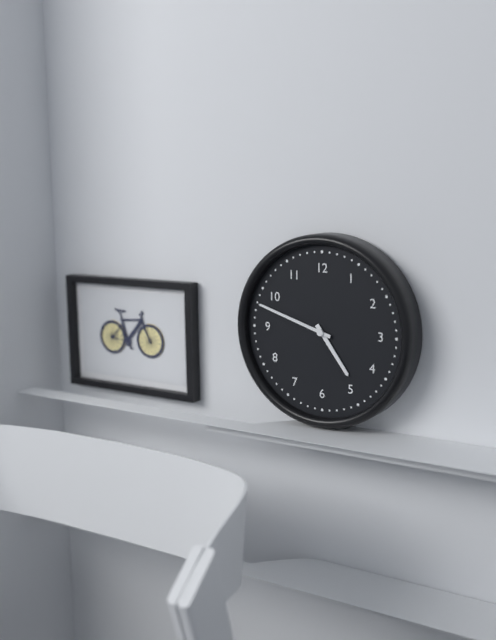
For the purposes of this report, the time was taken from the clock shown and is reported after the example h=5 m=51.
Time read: h=4 m=48
